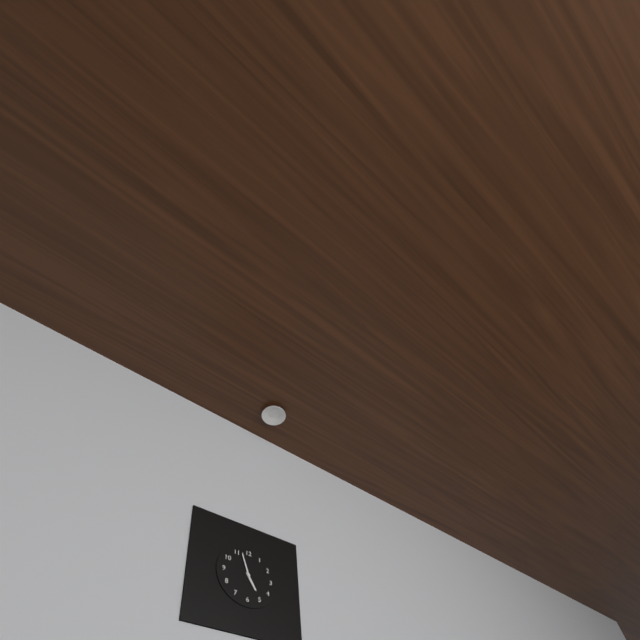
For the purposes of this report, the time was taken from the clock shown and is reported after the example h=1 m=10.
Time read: h=4 m=57
